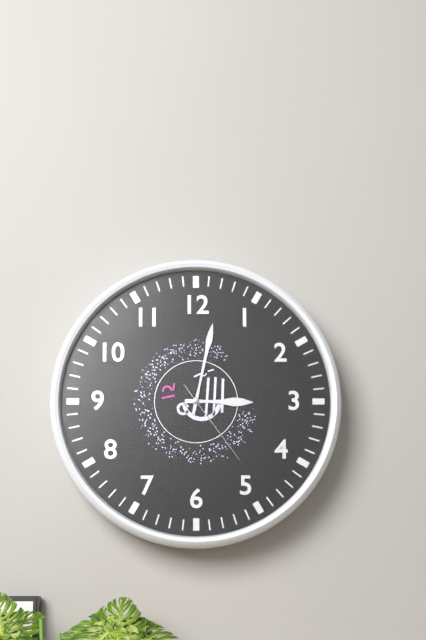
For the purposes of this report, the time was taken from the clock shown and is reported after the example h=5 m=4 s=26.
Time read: h=3 m=2 s=24
